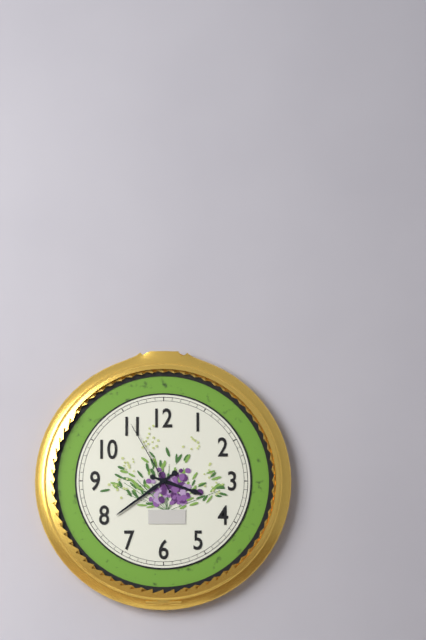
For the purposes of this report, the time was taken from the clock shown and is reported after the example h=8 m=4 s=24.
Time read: h=3 m=39 s=55
